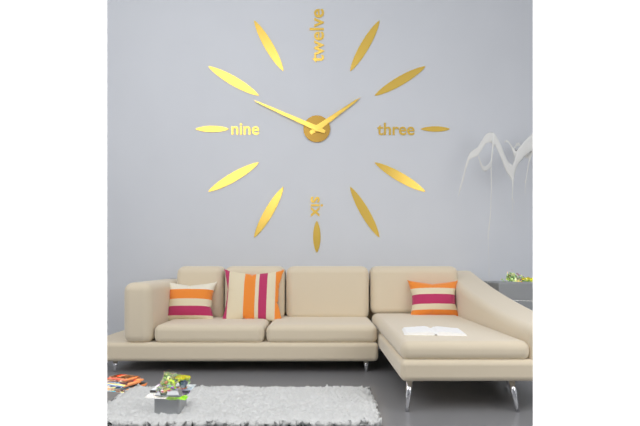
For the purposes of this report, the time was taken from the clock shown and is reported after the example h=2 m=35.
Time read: h=1 m=49
